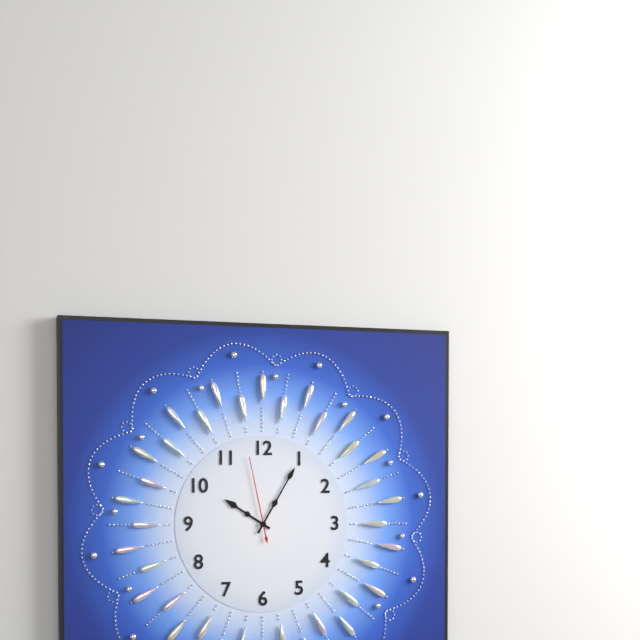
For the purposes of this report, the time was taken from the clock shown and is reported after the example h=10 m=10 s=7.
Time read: h=10 m=5 s=58
